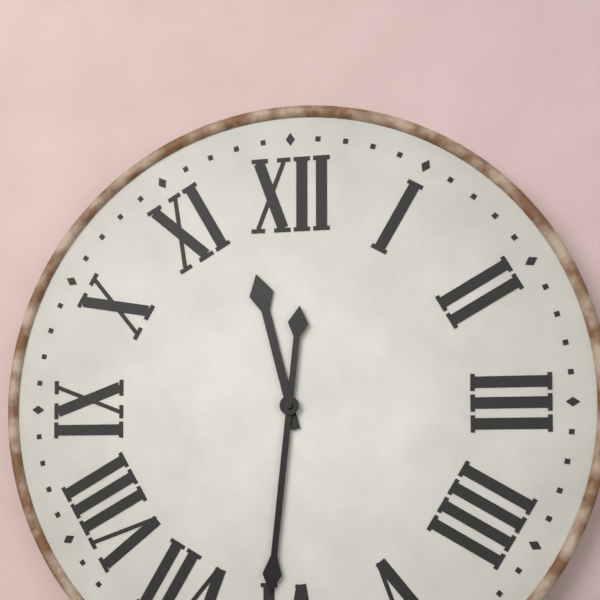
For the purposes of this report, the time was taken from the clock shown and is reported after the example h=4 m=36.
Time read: h=11 m=31
